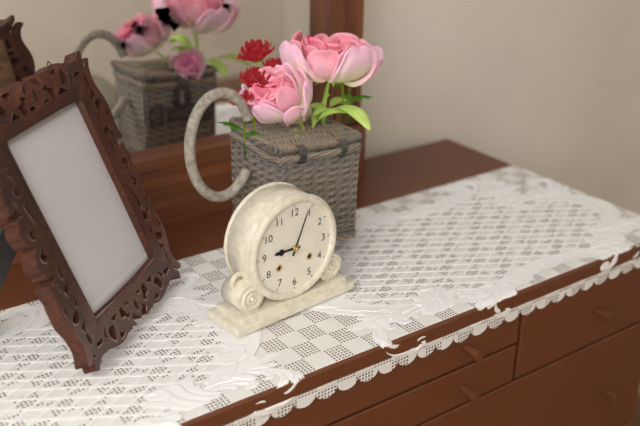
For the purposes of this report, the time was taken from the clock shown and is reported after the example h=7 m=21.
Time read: h=9 m=4
